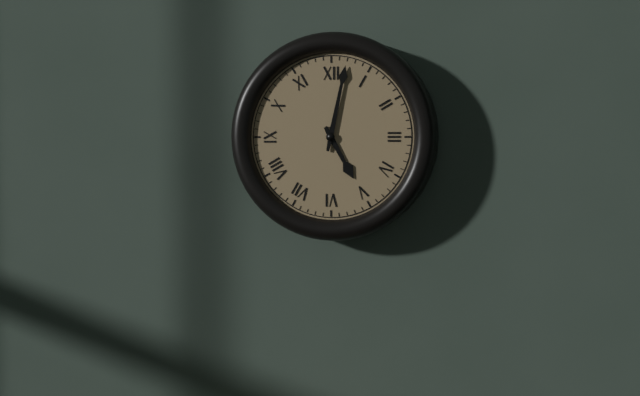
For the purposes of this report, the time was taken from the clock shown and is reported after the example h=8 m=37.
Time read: h=5 m=2
